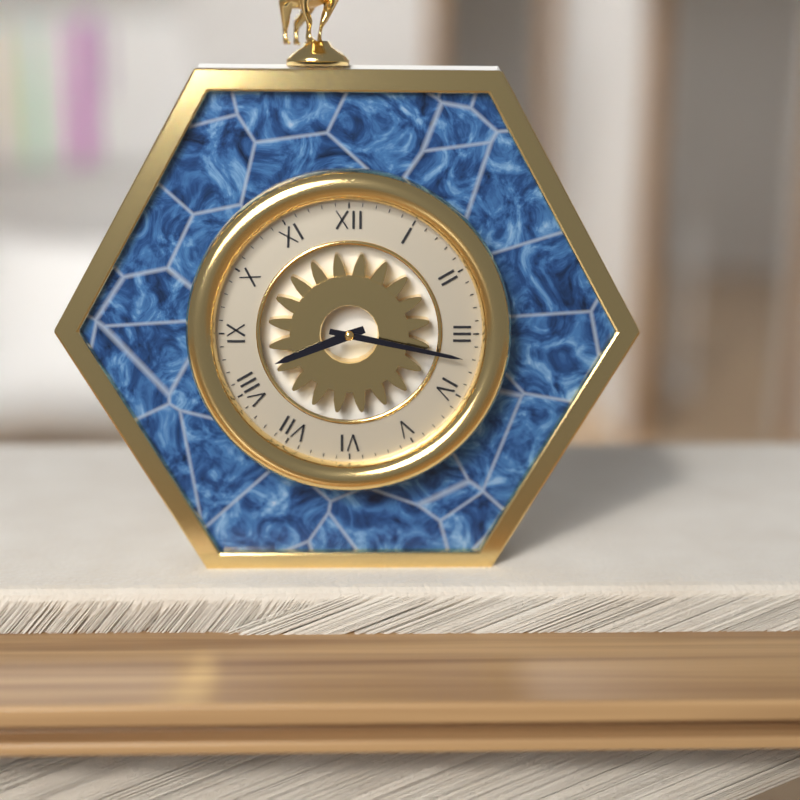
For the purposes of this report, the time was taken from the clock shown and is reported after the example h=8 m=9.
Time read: h=8 m=17
